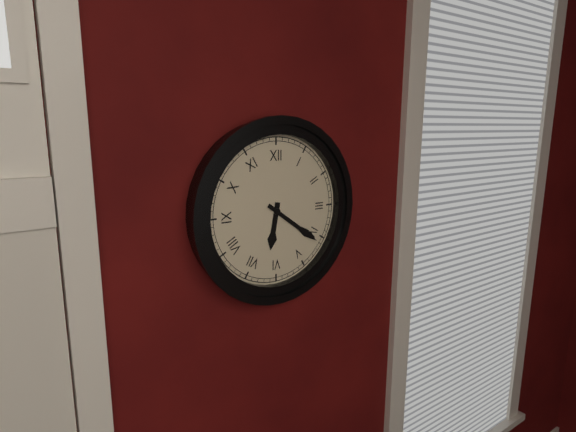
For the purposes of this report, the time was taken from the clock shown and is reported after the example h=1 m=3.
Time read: h=6 m=21
